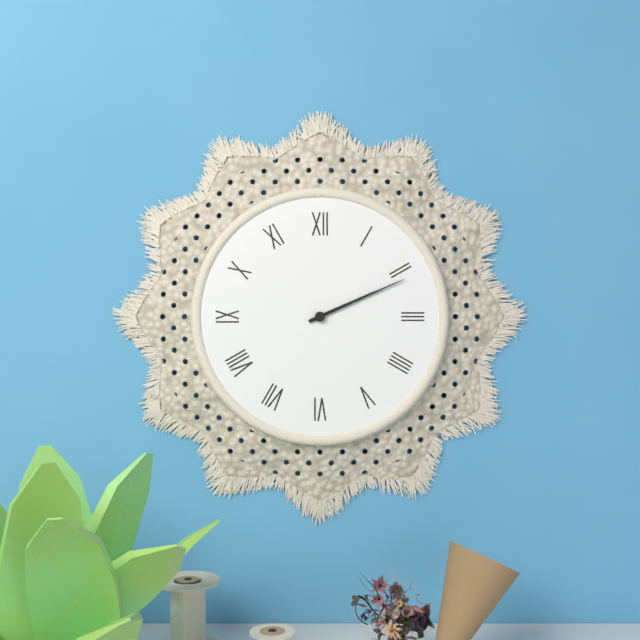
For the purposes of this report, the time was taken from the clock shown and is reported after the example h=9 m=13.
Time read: h=2 m=11
